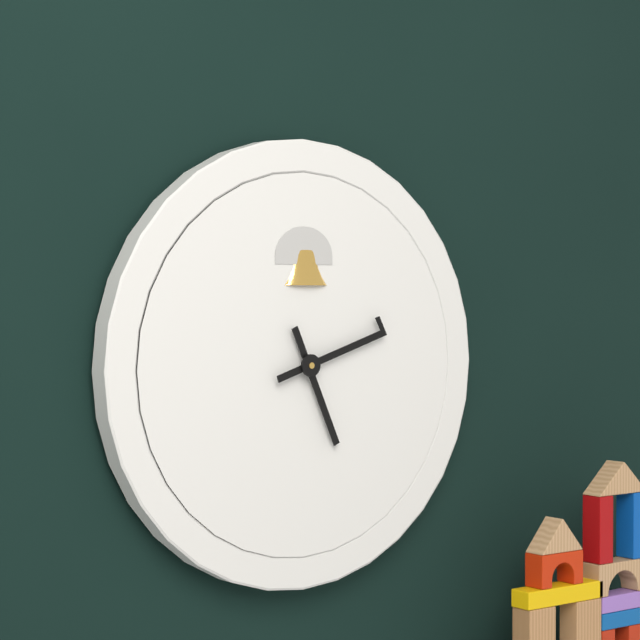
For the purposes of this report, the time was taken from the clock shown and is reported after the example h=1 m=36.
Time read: h=5 m=12
